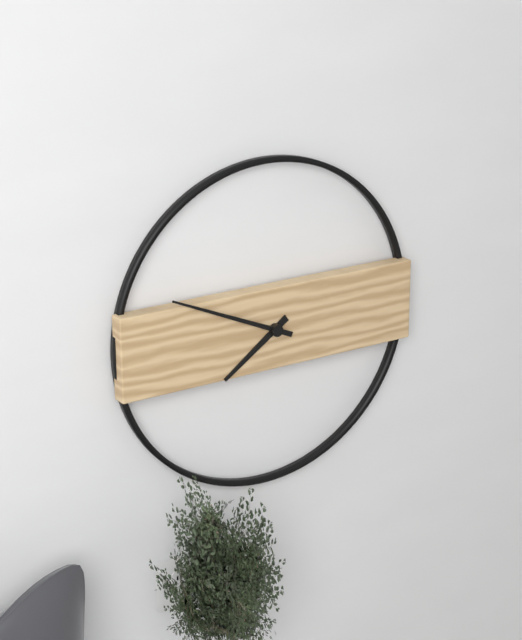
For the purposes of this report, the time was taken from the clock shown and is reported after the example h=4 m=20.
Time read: h=7 m=49
